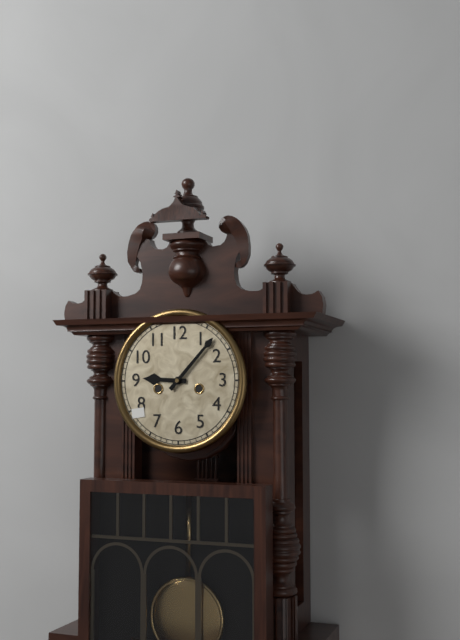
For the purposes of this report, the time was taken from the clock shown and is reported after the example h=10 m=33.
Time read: h=9 m=7
